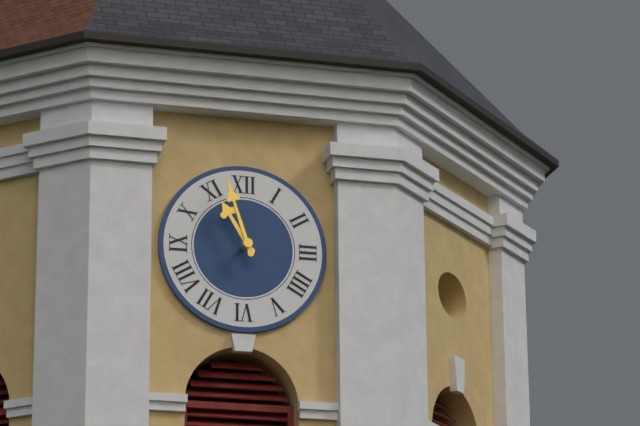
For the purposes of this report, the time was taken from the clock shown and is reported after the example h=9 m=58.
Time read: h=10 m=57
